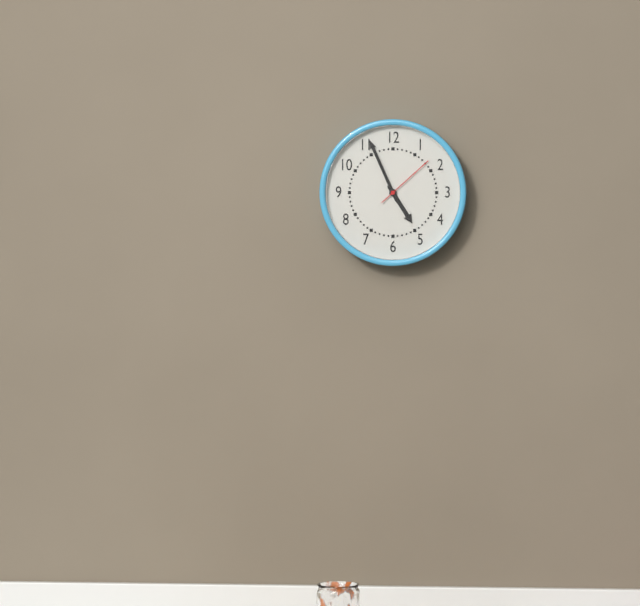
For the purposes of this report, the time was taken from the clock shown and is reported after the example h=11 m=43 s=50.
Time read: h=4 m=56 s=8
